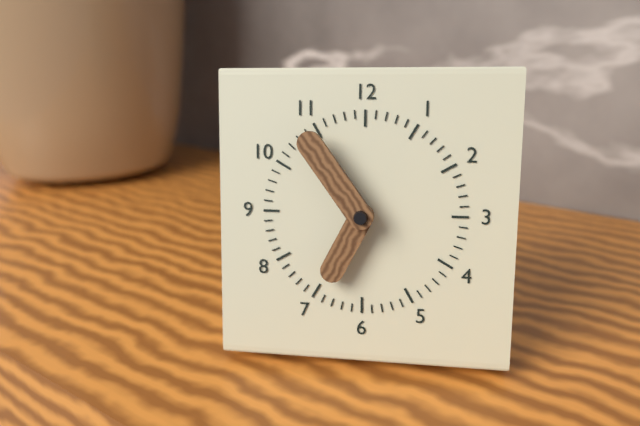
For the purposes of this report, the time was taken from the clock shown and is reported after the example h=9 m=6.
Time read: h=6 m=54
